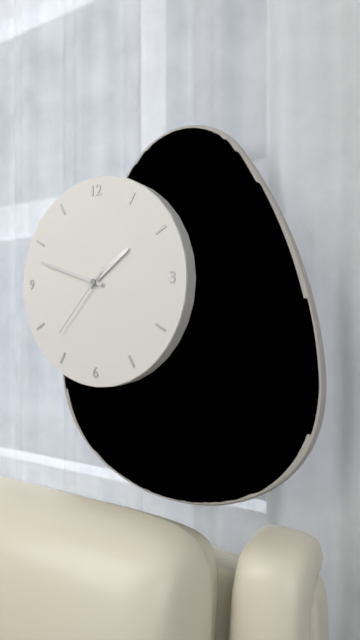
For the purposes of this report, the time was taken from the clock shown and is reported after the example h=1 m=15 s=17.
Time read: h=1 m=48 s=37
